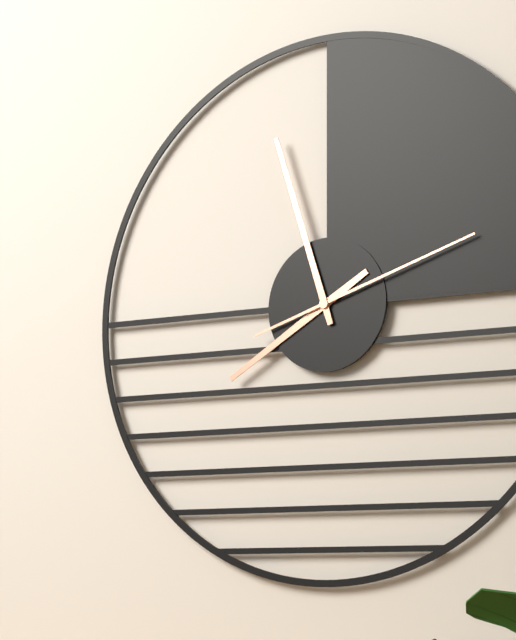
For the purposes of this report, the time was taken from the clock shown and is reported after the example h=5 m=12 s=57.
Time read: h=7 m=57 s=12
